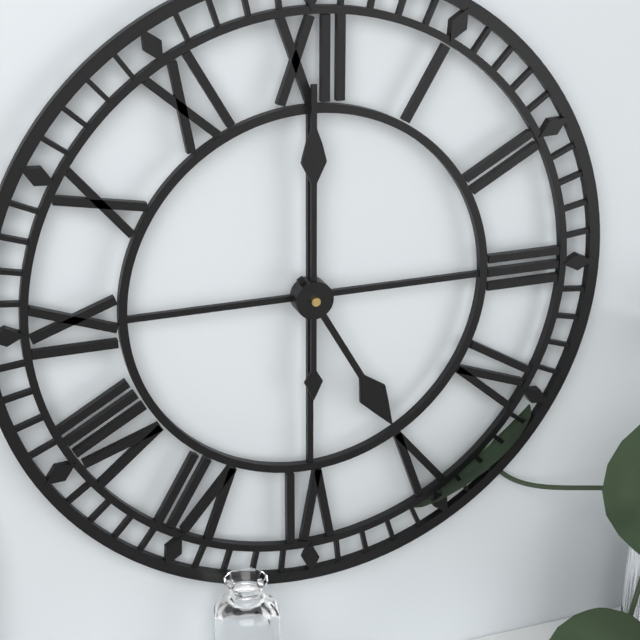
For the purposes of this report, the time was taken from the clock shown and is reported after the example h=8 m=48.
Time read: h=5 m=0
